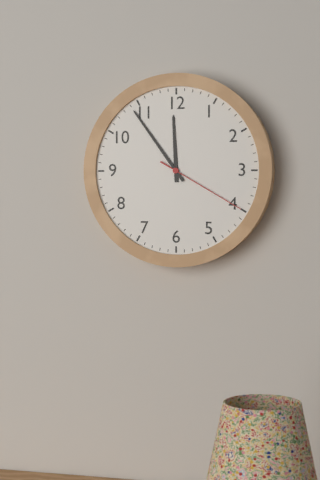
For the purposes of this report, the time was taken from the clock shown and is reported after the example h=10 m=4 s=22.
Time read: h=11 m=54 s=20
